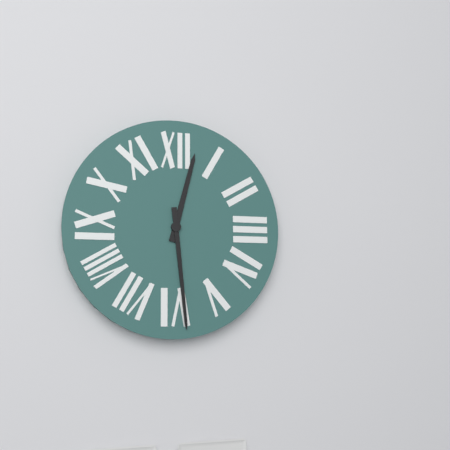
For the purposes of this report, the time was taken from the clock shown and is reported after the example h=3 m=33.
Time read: h=12 m=29
